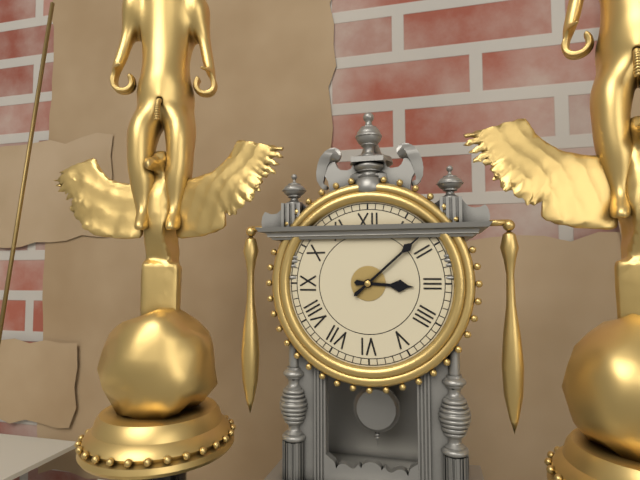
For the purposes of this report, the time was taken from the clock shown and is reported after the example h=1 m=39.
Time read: h=3 m=8
